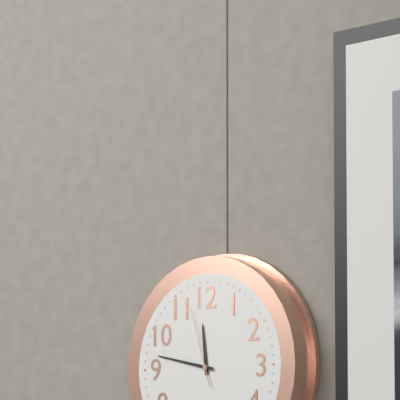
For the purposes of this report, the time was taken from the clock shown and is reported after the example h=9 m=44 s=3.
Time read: h=11 m=47 s=57
